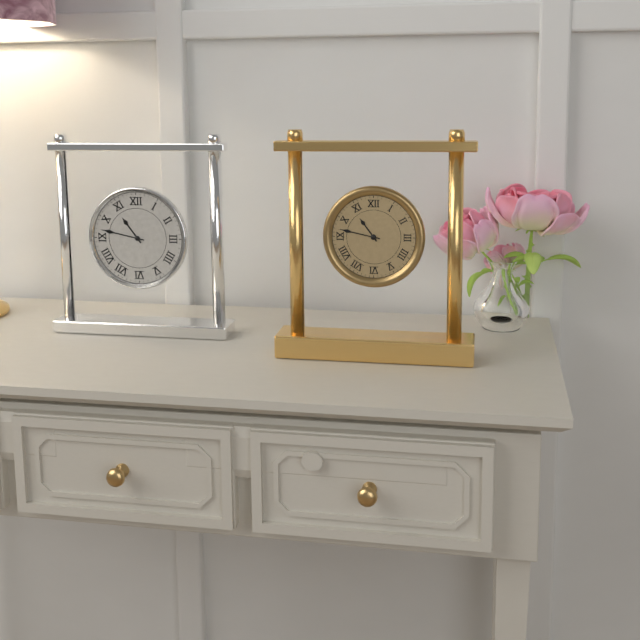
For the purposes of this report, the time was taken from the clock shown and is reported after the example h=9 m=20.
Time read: h=10 m=47
